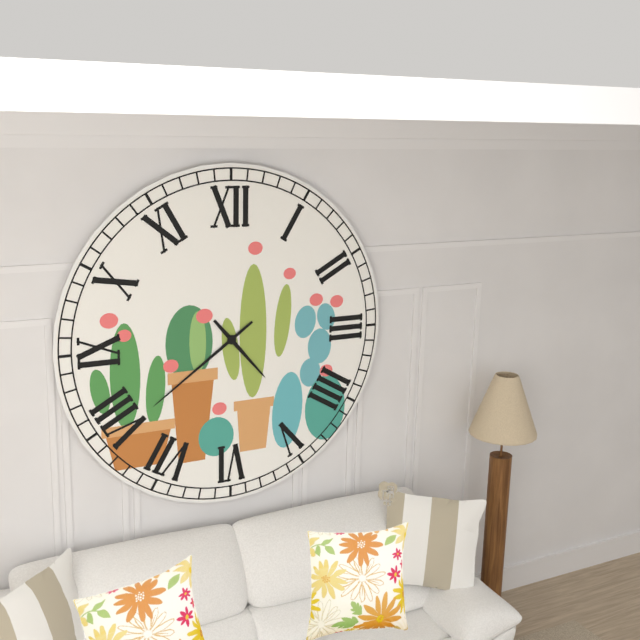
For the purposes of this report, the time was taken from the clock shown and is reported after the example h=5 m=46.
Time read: h=4 m=39
